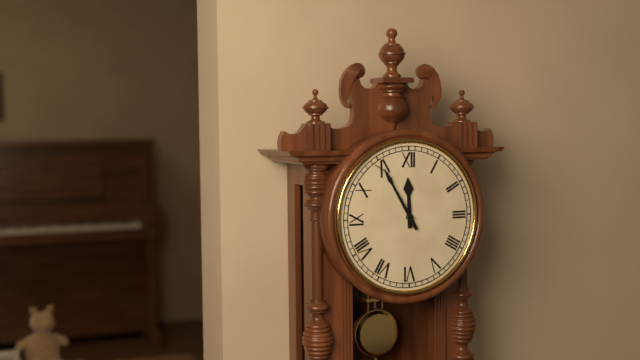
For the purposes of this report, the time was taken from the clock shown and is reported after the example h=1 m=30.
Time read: h=11 m=55
